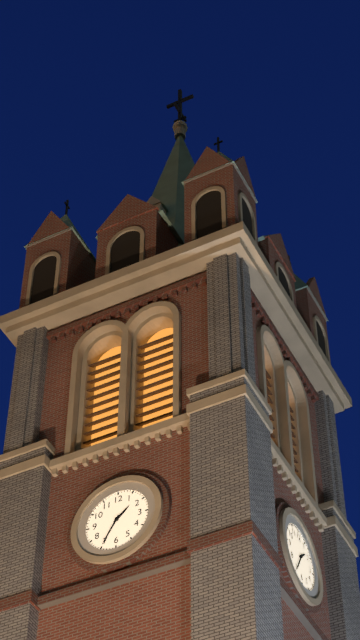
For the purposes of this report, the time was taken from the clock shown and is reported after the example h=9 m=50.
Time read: h=1 m=35
